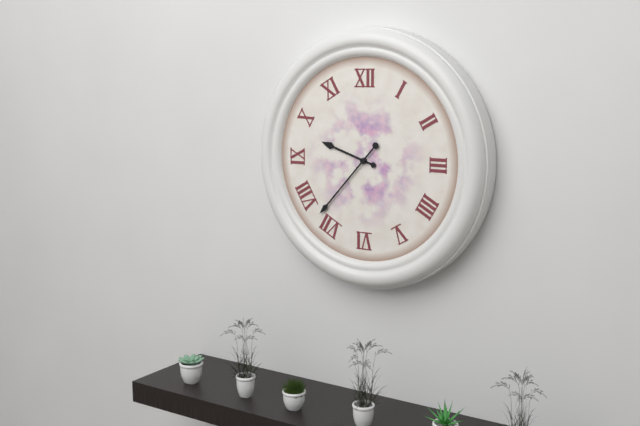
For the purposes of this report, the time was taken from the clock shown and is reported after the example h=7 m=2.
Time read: h=9 m=37
